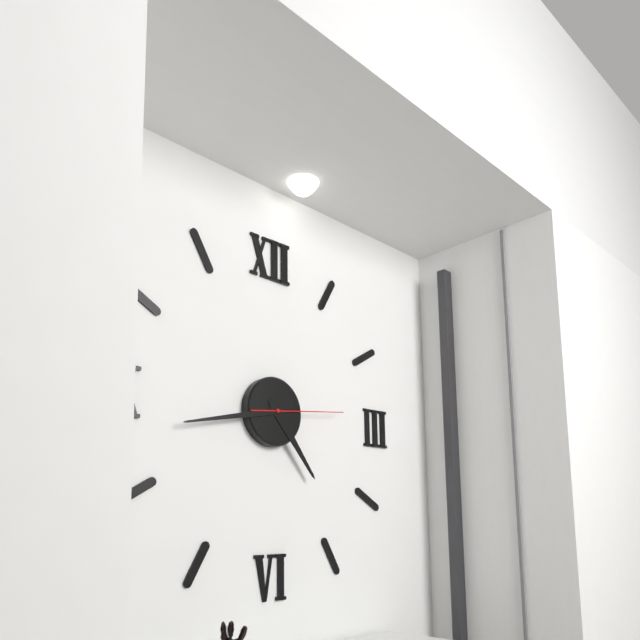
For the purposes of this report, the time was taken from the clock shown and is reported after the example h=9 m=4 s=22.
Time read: h=4 m=43 s=14
